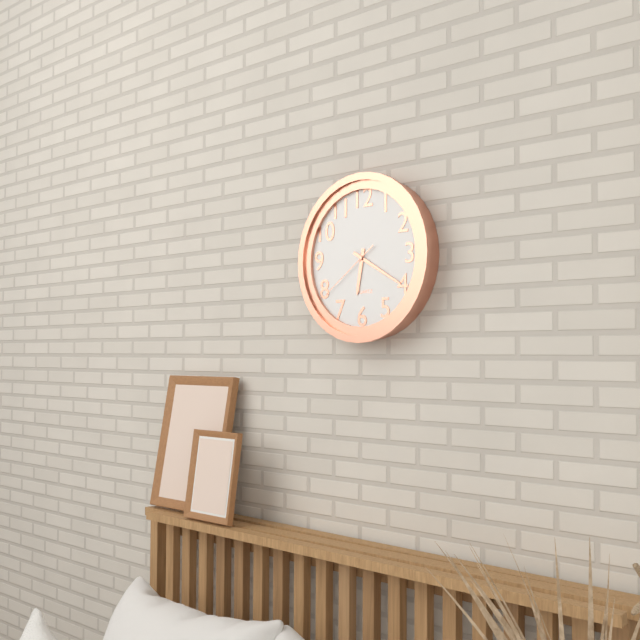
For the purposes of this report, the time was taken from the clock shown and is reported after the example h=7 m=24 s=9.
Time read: h=6 m=20 s=39
